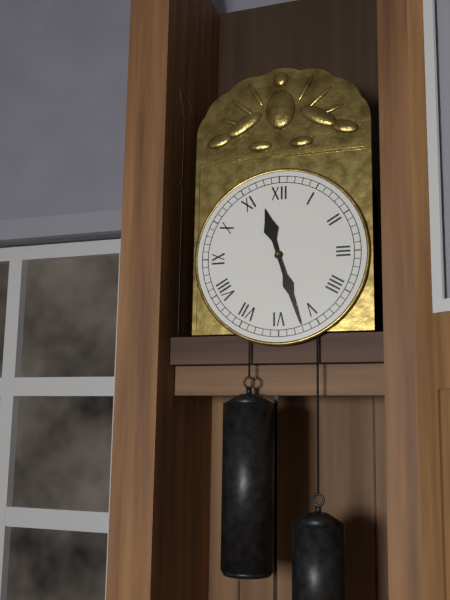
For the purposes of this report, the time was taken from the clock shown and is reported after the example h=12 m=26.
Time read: h=11 m=27
